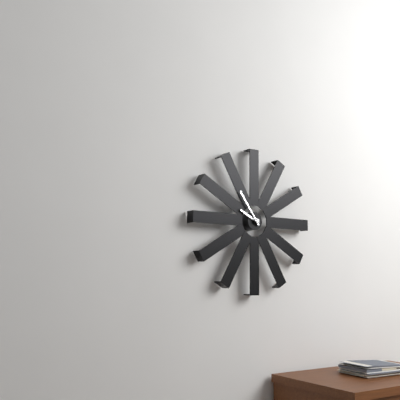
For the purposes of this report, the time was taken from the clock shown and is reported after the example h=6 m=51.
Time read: h=9 m=54
